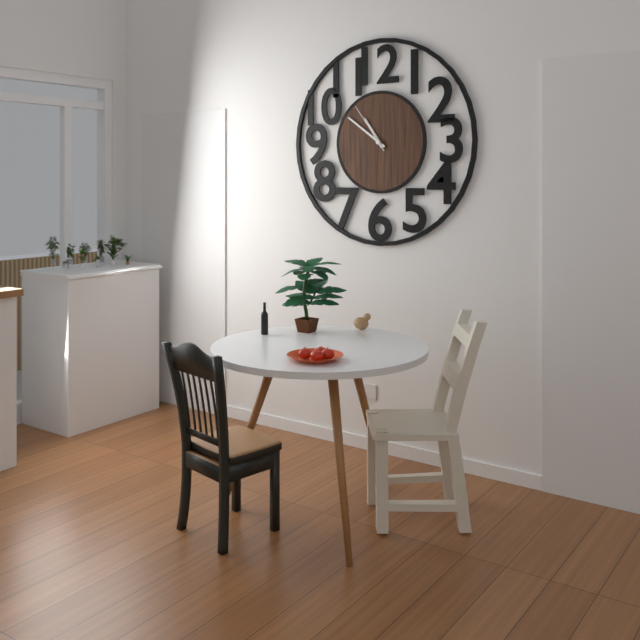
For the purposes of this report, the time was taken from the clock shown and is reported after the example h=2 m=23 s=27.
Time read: h=10 m=51 s=54
